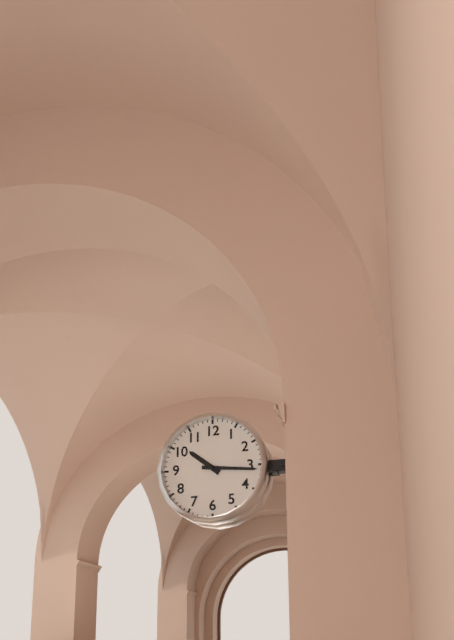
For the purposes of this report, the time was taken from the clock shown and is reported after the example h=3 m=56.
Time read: h=10 m=16
